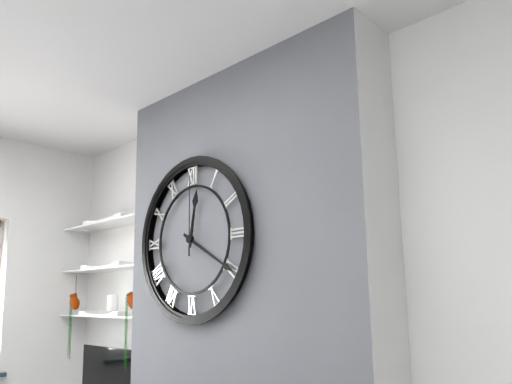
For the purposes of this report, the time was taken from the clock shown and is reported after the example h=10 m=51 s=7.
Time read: h=12 m=20 s=0
